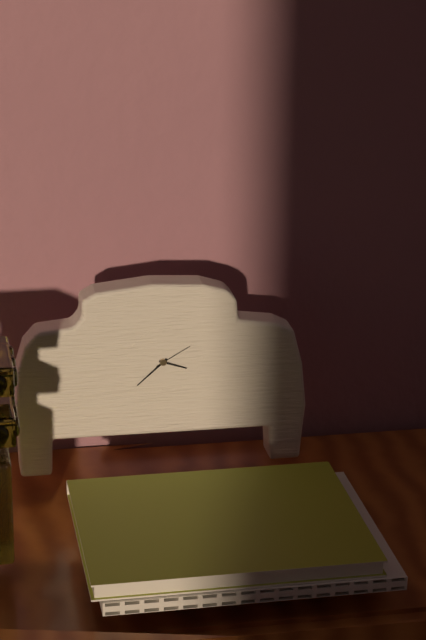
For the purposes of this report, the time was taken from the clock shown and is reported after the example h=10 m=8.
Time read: h=3 m=38
